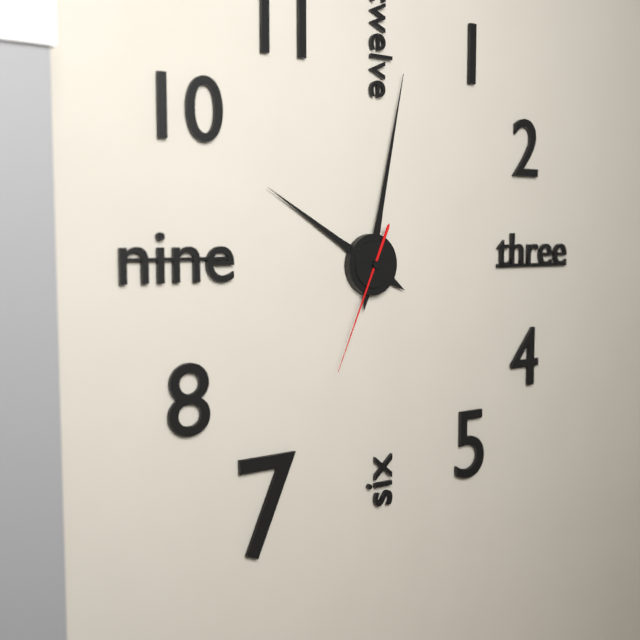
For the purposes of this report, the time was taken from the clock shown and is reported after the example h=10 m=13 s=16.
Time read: h=10 m=2 s=34
